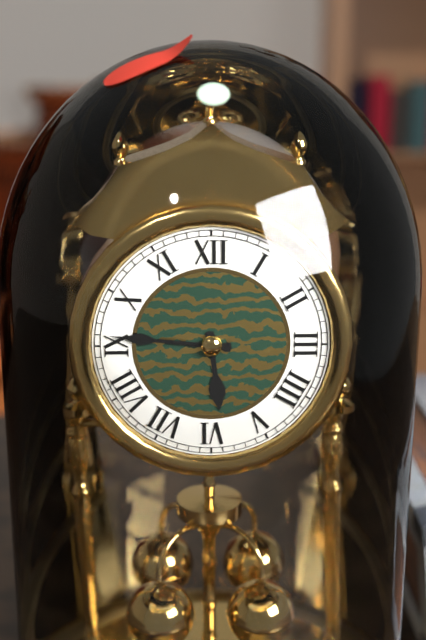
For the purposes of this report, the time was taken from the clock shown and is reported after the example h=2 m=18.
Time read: h=5 m=46
